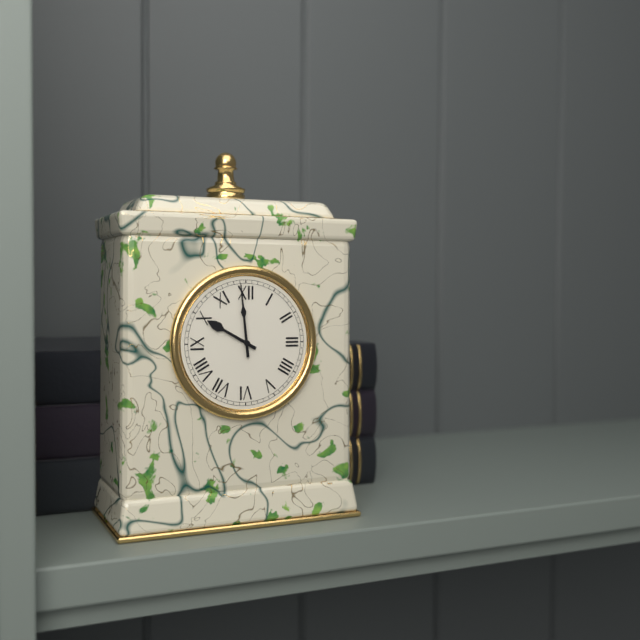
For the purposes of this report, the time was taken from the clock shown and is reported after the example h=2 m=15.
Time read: h=9 m=59
